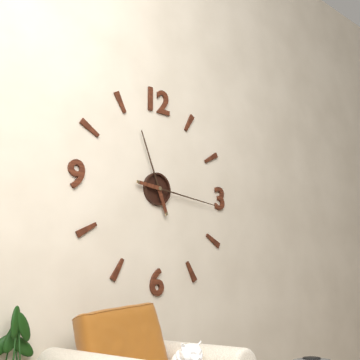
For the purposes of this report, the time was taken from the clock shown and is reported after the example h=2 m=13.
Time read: h=11 m=16
